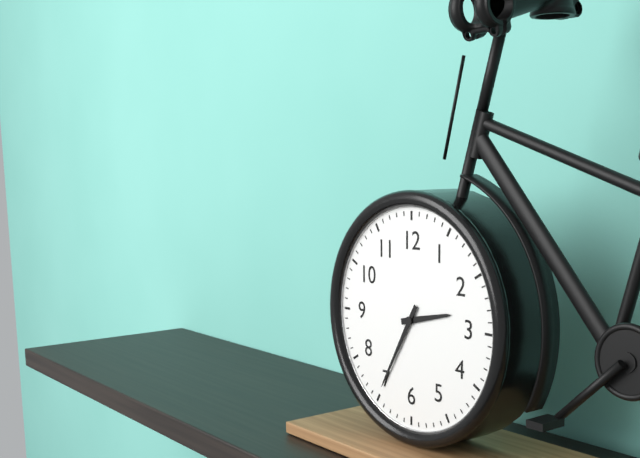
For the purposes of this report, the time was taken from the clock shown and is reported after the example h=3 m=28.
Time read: h=2 m=35
